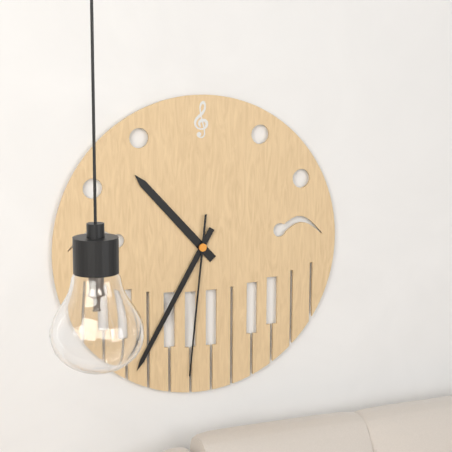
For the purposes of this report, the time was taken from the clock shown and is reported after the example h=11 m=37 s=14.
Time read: h=10 m=35 s=31
